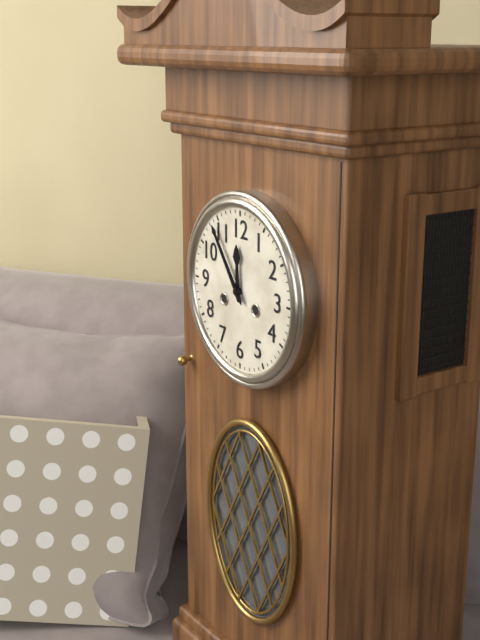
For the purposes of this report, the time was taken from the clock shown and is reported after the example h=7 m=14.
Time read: h=11 m=54
